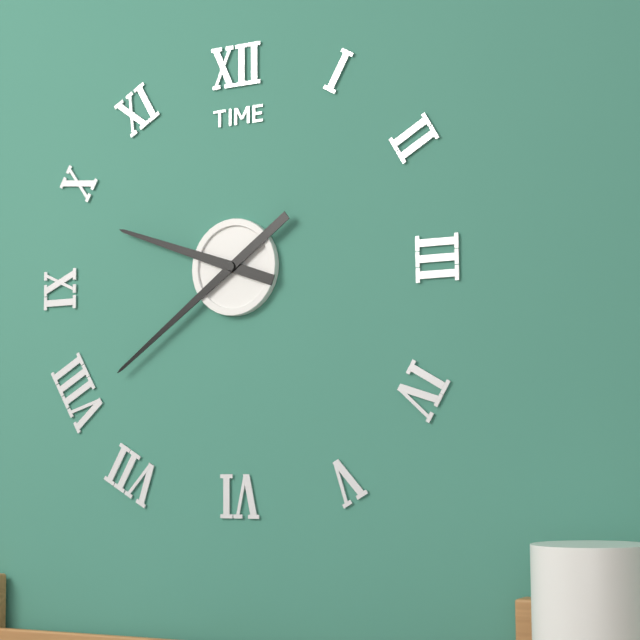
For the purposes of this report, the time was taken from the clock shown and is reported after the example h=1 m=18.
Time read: h=9 m=39
